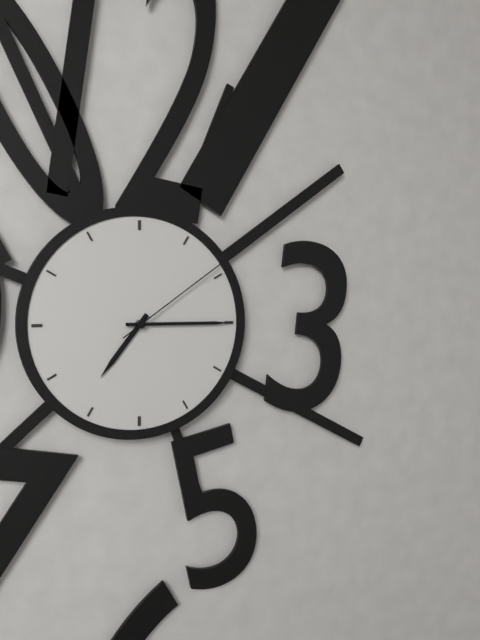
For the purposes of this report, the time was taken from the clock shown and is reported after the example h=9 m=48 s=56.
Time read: h=7 m=15 s=9
